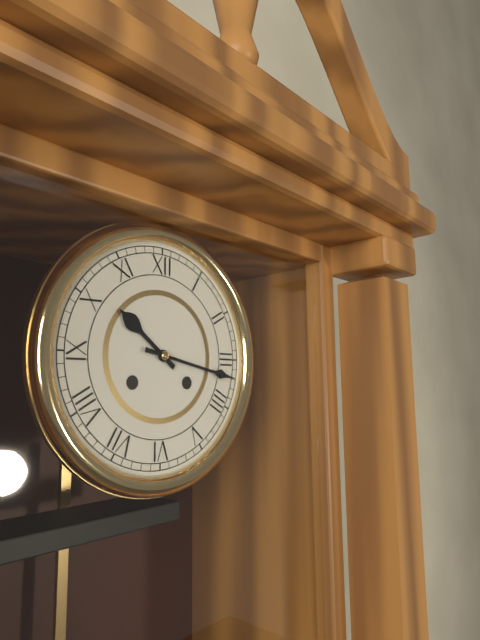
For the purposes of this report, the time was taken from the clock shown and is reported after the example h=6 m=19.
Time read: h=10 m=17
